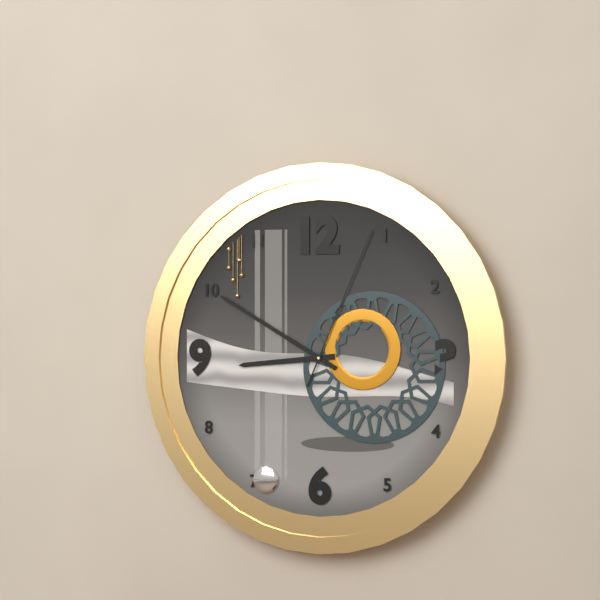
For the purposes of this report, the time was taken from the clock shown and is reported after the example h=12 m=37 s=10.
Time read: h=8 m=50 s=4
